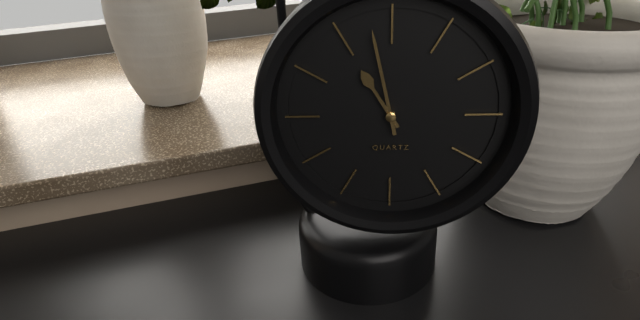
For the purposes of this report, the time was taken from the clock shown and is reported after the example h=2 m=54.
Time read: h=10 m=58
